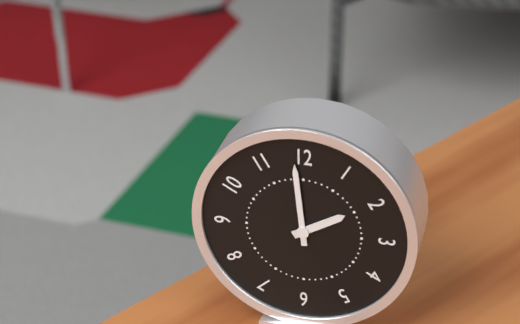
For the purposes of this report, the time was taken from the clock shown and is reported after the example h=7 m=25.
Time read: h=1 m=59
